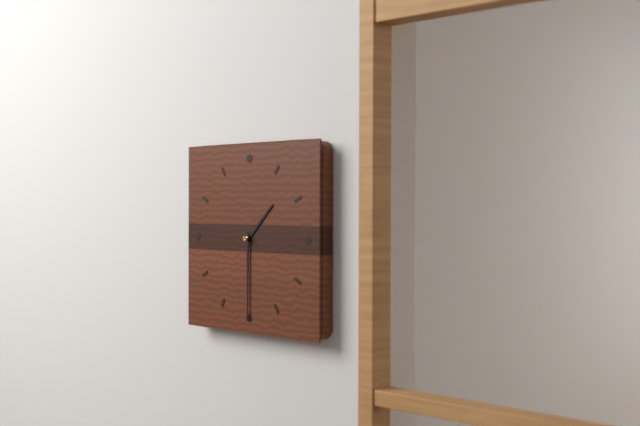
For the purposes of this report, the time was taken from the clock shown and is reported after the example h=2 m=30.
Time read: h=1 m=30
